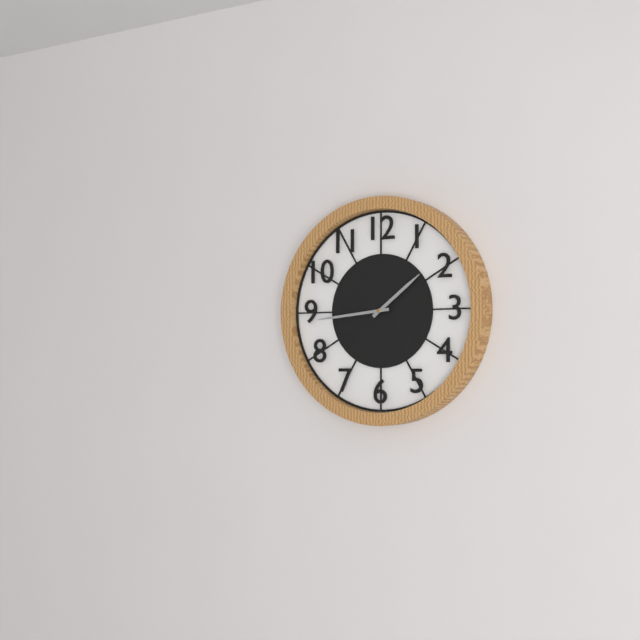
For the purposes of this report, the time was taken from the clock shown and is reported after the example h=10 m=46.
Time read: h=1 m=44
